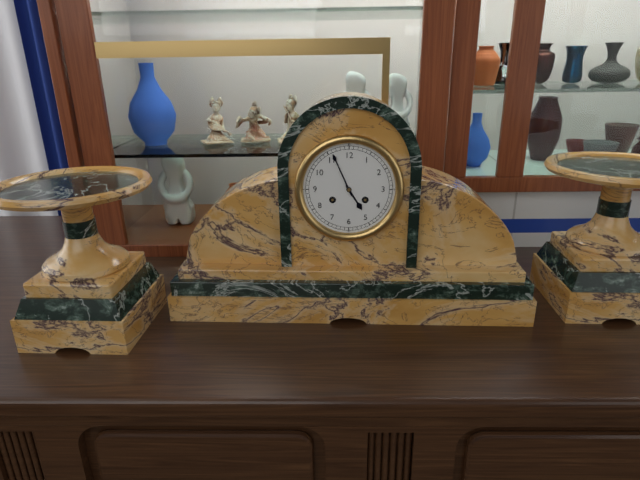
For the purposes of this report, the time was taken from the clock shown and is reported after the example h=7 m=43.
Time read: h=4 m=56
